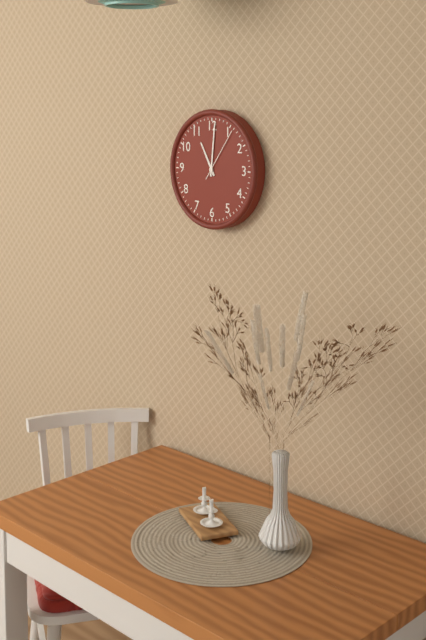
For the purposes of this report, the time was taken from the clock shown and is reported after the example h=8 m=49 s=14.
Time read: h=11 m=1 s=6
